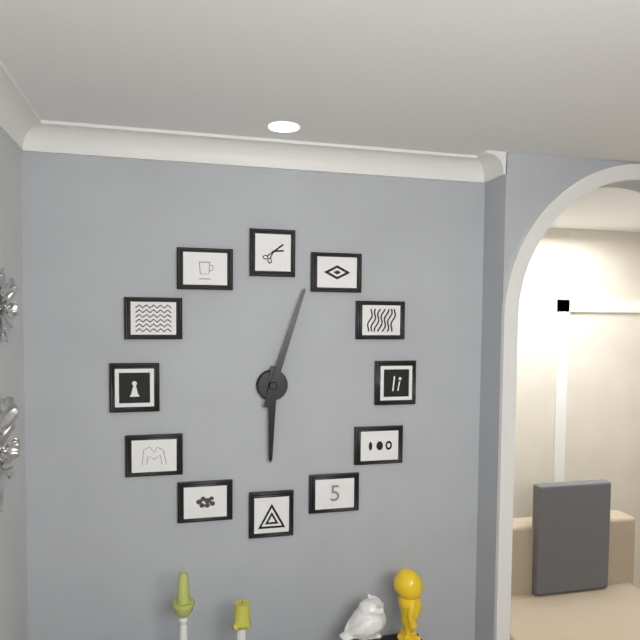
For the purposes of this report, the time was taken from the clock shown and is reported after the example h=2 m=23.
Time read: h=6 m=3
